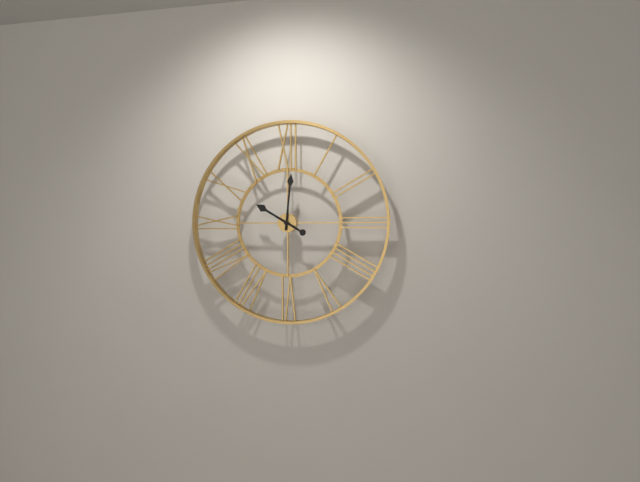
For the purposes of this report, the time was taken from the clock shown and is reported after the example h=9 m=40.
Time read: h=10 m=1
